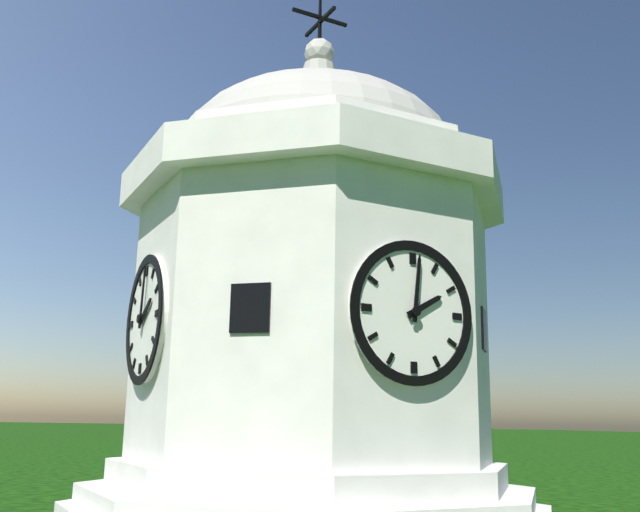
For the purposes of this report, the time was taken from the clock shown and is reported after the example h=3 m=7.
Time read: h=2 m=1
